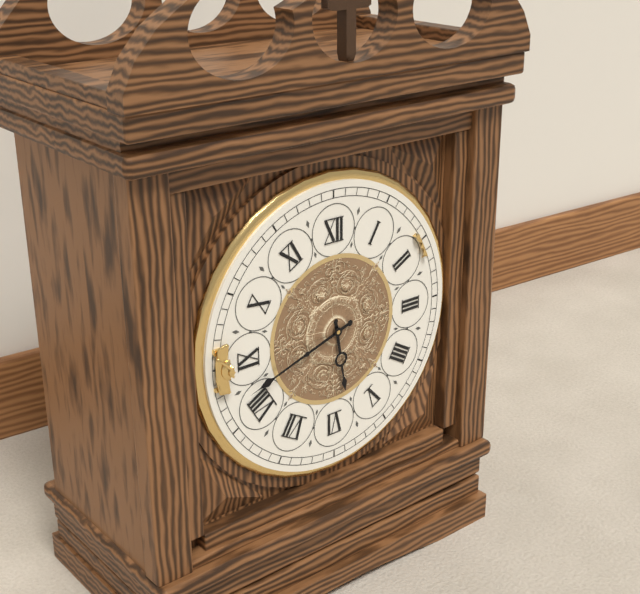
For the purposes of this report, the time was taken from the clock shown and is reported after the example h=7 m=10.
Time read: h=5 m=42
